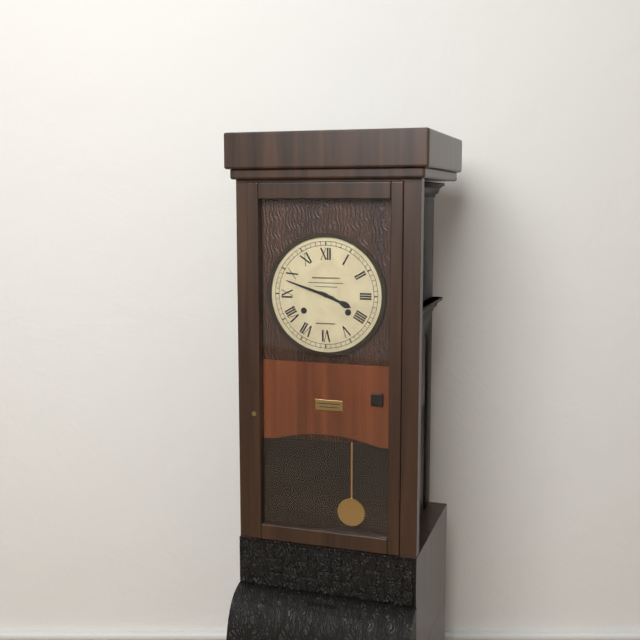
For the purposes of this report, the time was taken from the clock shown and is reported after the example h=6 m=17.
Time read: h=3 m=48
